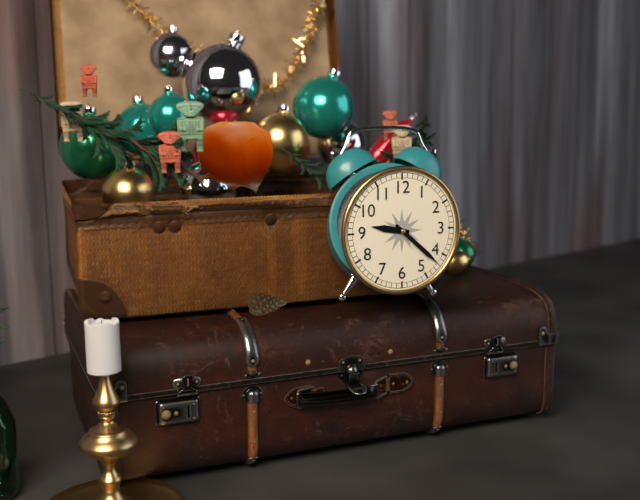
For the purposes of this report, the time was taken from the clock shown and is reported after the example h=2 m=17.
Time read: h=9 m=22
